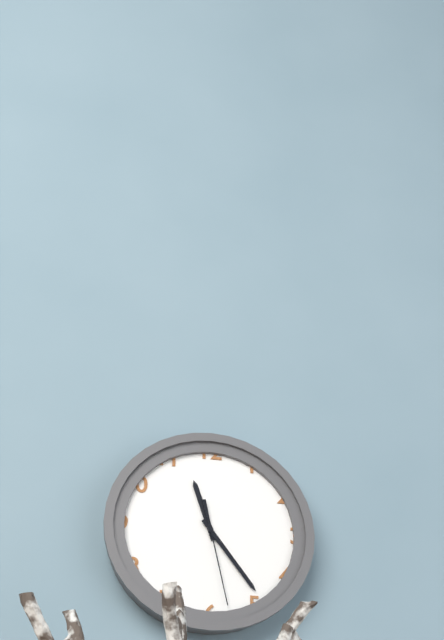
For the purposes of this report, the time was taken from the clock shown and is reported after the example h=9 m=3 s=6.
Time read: h=11 m=24 s=28
